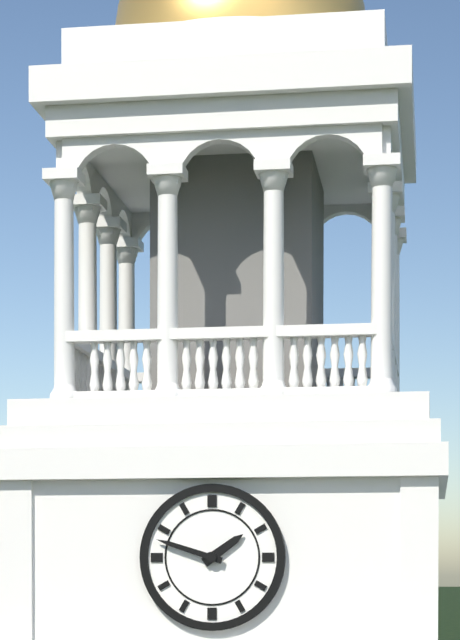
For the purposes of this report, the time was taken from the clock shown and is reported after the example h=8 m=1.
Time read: h=1 m=48
